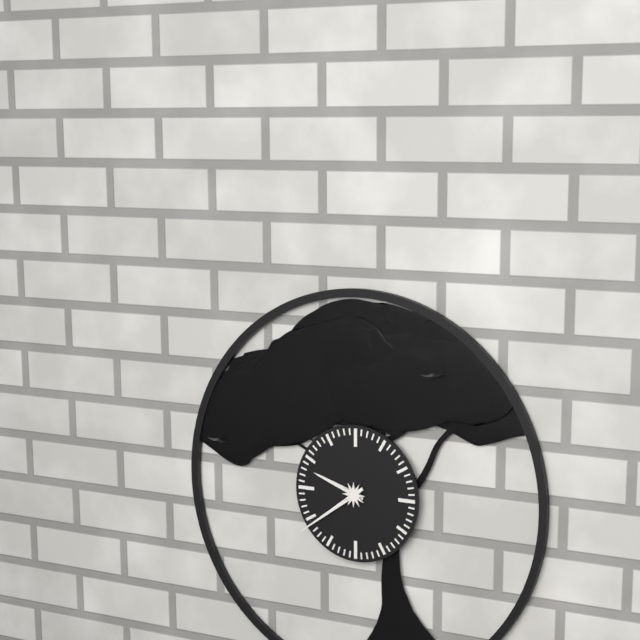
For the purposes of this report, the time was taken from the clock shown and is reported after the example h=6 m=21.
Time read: h=9 m=39
